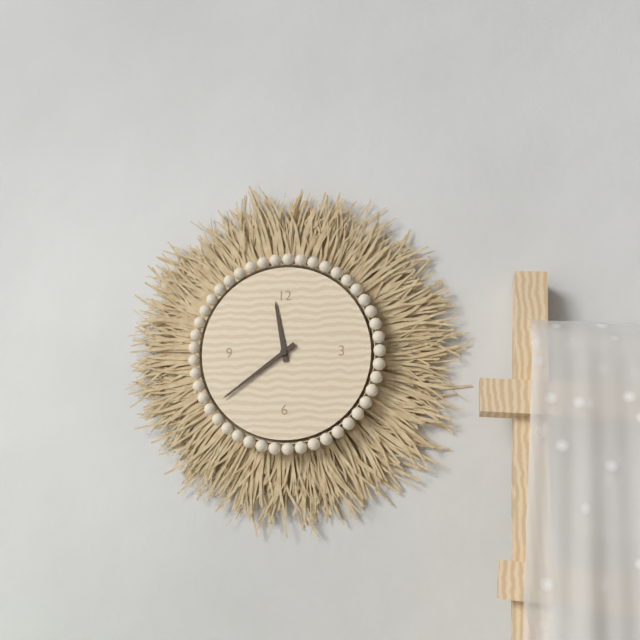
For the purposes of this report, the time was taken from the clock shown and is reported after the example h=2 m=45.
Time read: h=11 m=39
